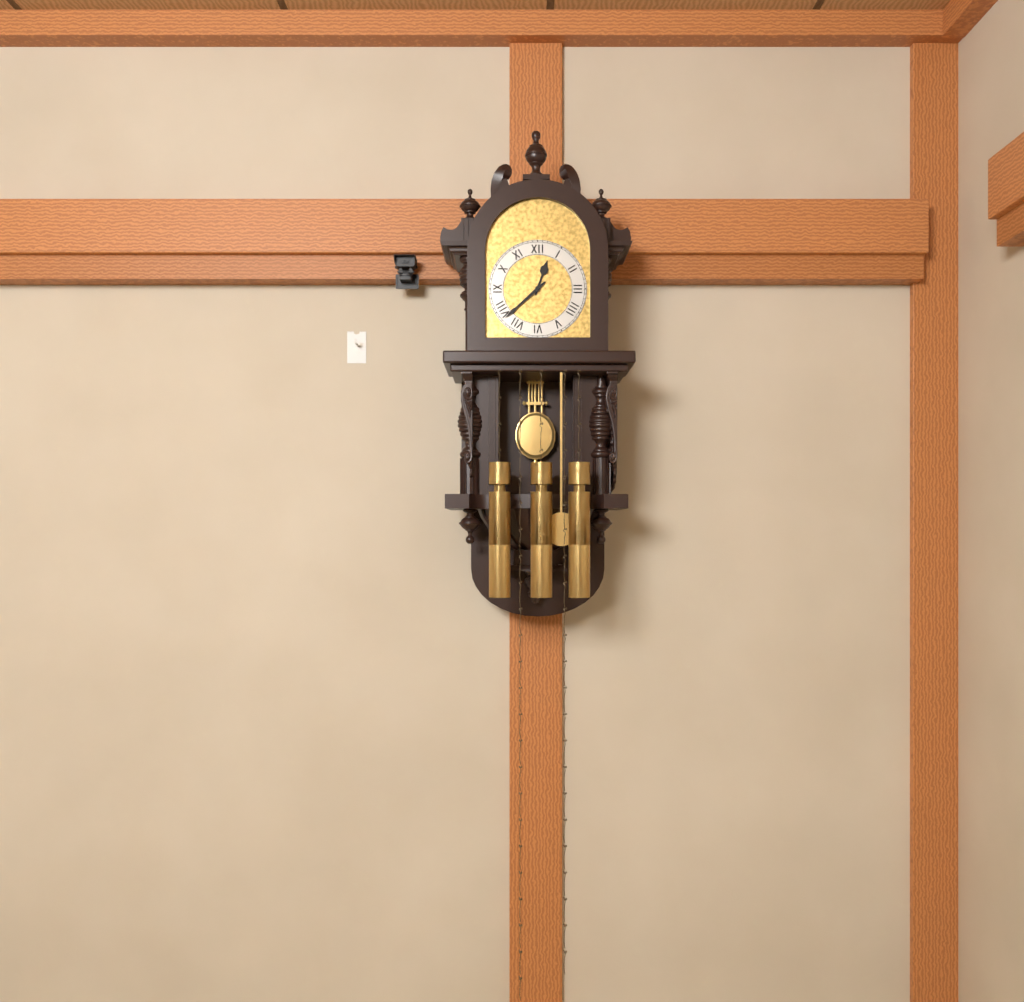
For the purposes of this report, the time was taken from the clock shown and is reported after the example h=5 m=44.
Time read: h=12 m=38
